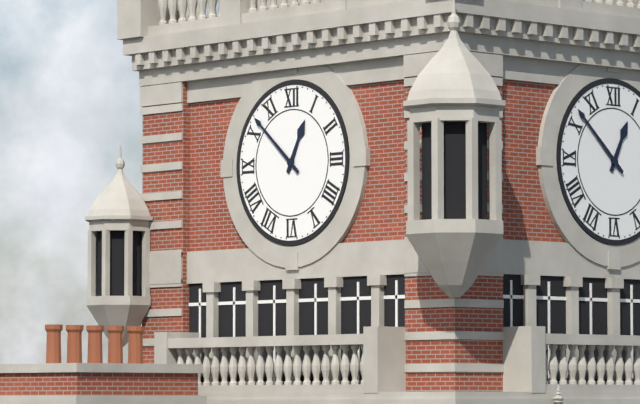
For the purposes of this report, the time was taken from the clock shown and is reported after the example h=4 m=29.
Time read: h=12 m=52
